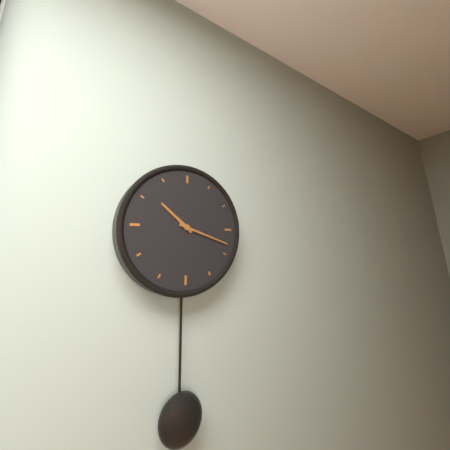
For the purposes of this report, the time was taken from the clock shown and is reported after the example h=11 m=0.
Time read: h=10 m=18
